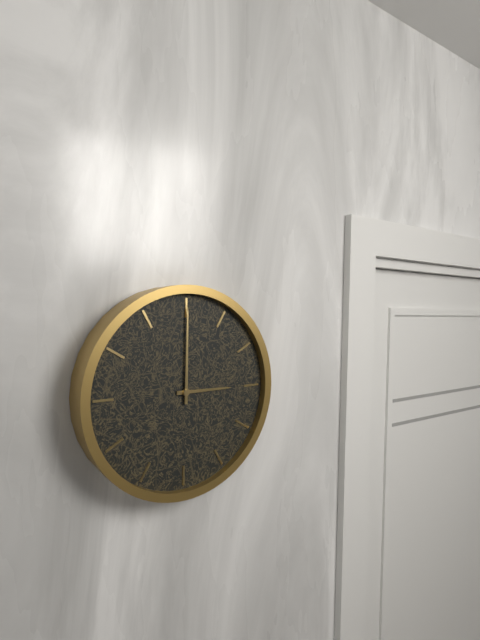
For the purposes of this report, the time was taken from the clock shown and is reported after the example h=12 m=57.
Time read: h=3 m=0
